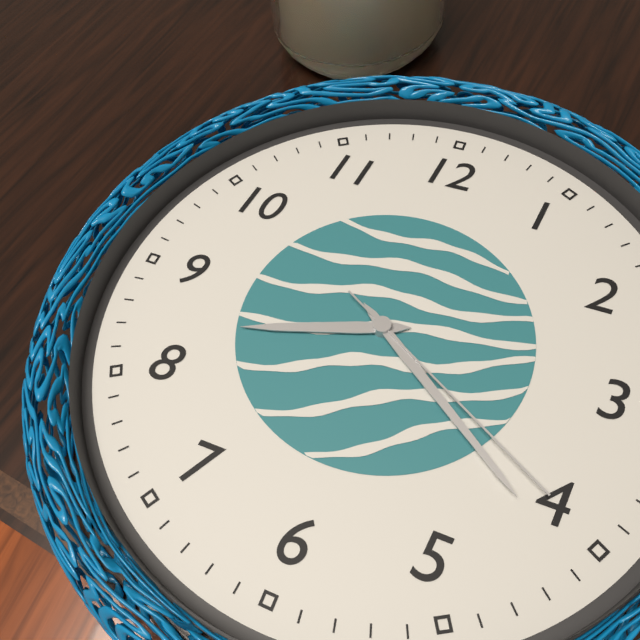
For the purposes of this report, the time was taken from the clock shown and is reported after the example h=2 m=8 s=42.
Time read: h=8 m=21 s=20
